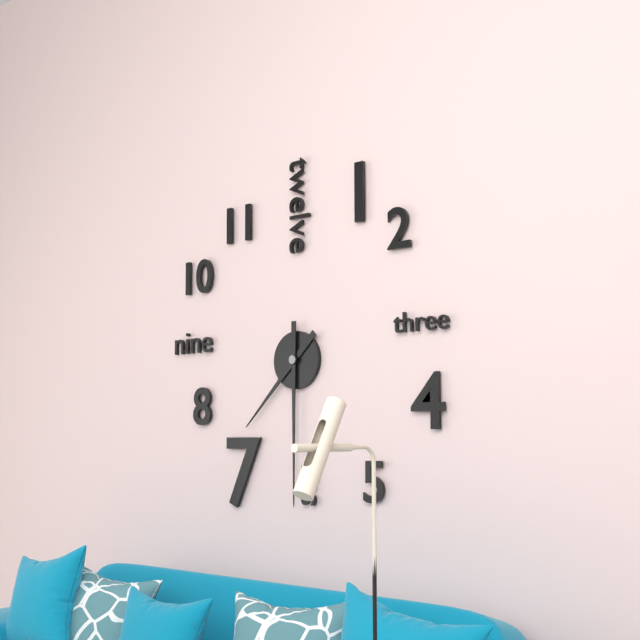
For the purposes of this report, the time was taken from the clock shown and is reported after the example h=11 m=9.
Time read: h=7 m=30
